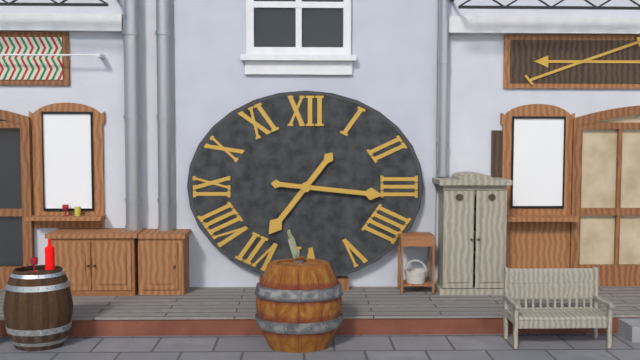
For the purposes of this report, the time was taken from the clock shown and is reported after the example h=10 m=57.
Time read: h=7 m=16
